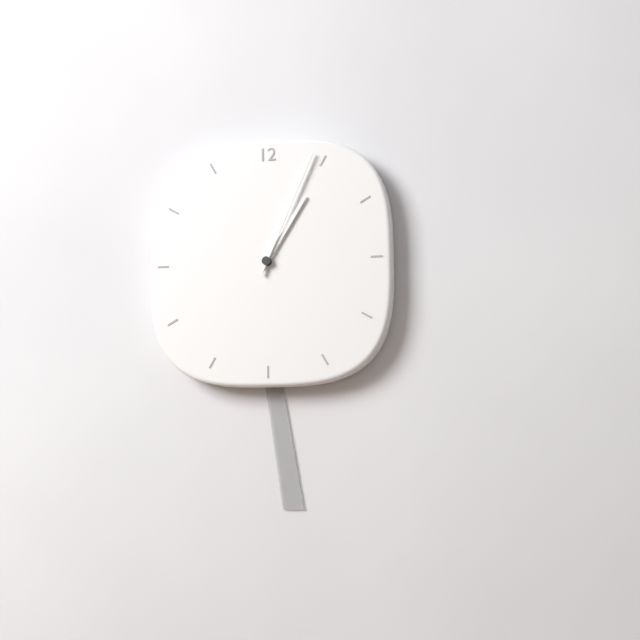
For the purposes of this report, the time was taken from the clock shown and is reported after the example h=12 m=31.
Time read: h=1 m=4
